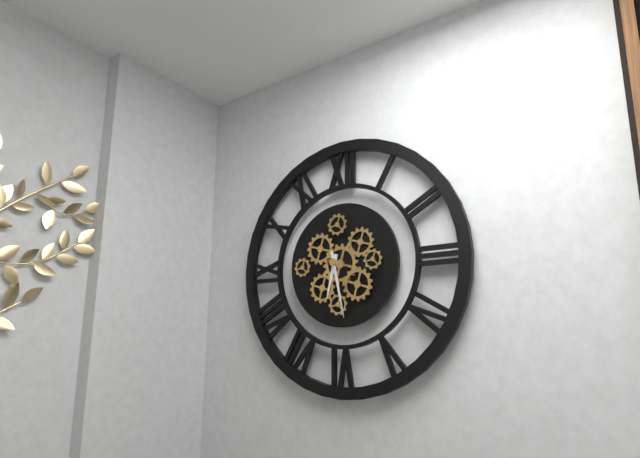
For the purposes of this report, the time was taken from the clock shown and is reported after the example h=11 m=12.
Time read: h=6 m=28
